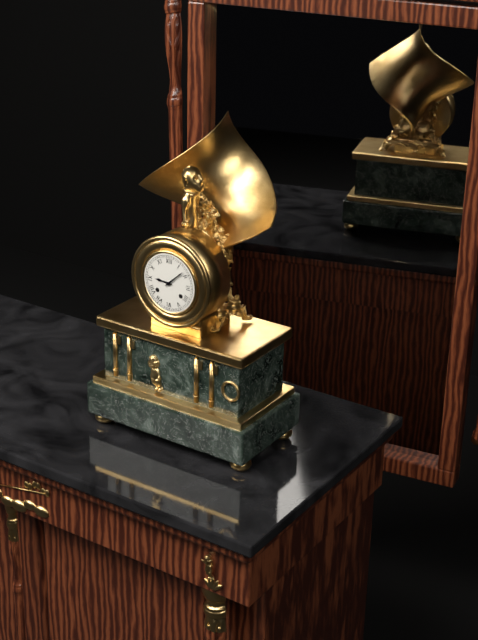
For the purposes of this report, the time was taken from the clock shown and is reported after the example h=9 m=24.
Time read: h=9 m=8
